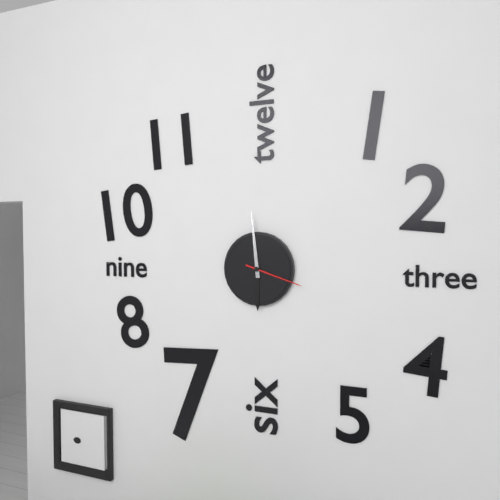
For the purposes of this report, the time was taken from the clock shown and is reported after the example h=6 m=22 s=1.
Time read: h=5 m=59 s=18
